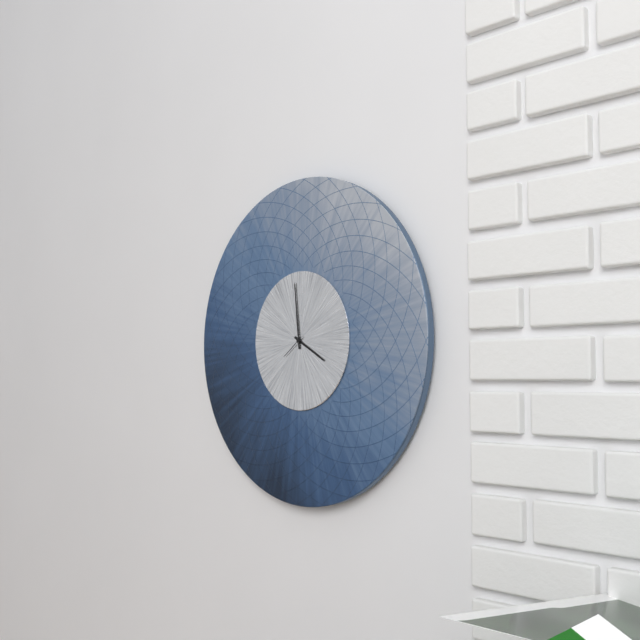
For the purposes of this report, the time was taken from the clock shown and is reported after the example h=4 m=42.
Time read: h=3 m=59
